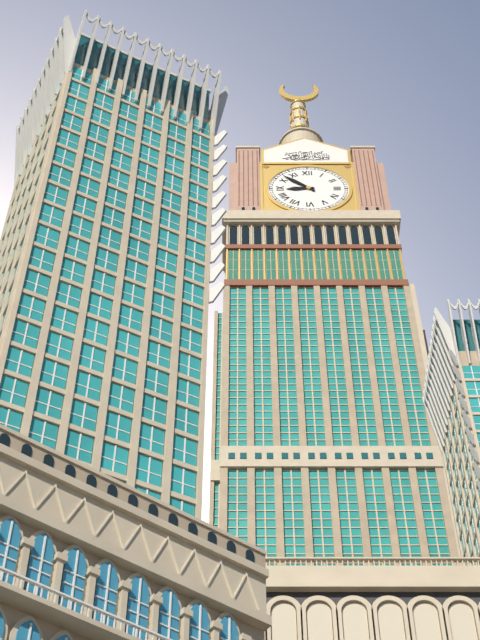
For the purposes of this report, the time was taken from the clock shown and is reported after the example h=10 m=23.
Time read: h=8 m=52
